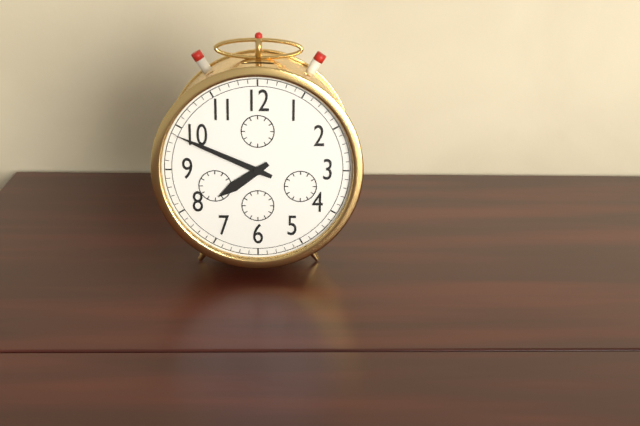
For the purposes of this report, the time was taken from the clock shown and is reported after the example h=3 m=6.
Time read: h=7 m=49
